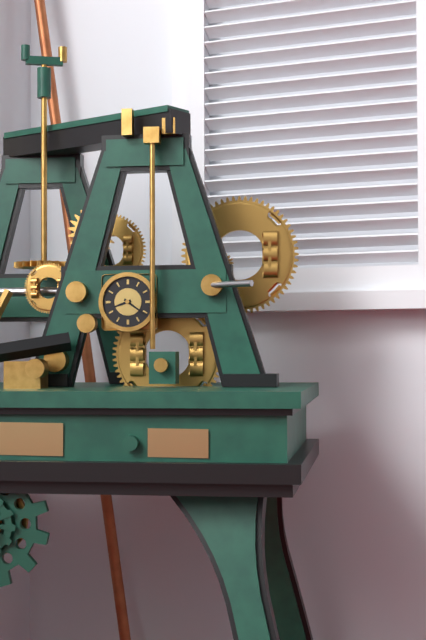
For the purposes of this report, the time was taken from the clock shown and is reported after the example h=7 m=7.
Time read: h=8 m=21
